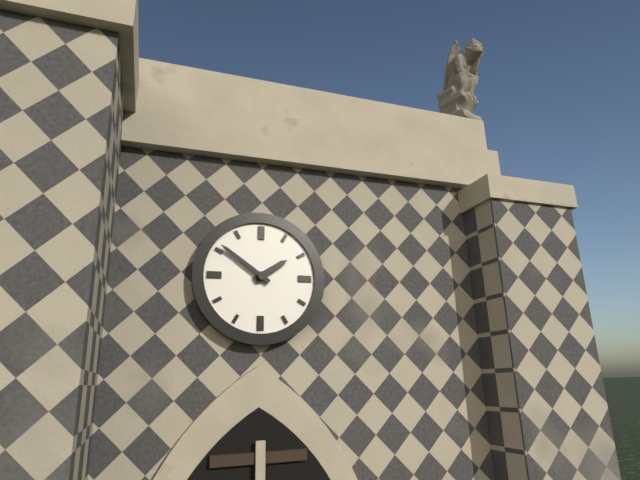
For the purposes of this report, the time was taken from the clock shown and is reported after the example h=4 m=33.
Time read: h=1 m=51
